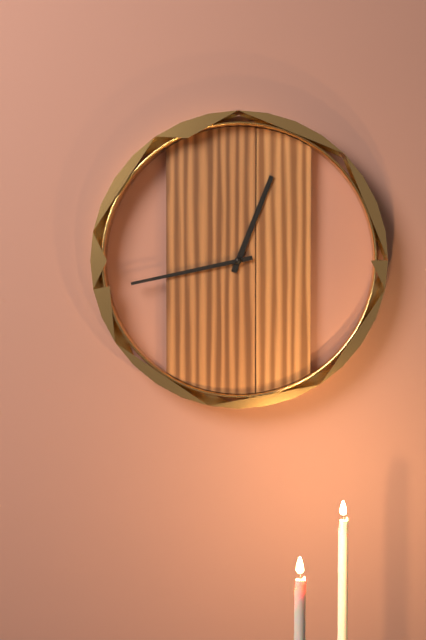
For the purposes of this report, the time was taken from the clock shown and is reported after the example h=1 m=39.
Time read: h=12 m=43
